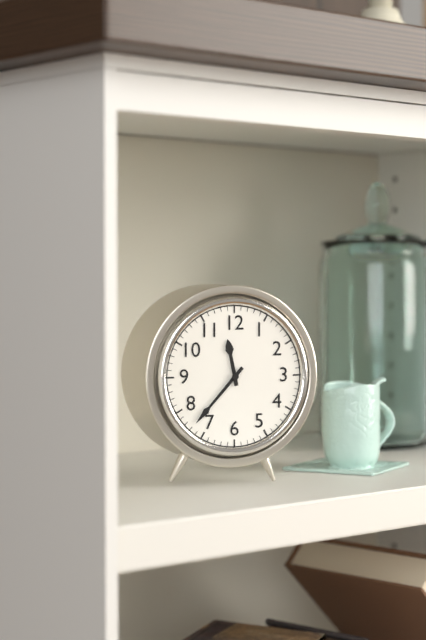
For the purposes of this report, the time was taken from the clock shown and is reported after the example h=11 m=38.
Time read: h=11 m=37
